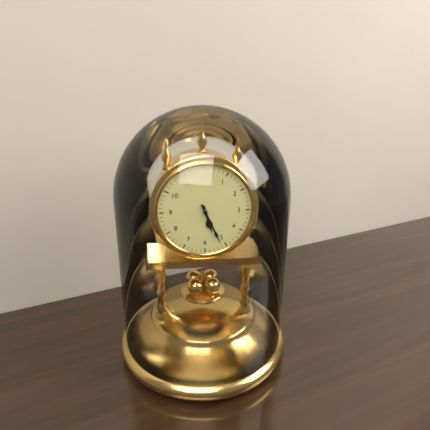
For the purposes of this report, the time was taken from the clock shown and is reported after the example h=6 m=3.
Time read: h=5 m=26
